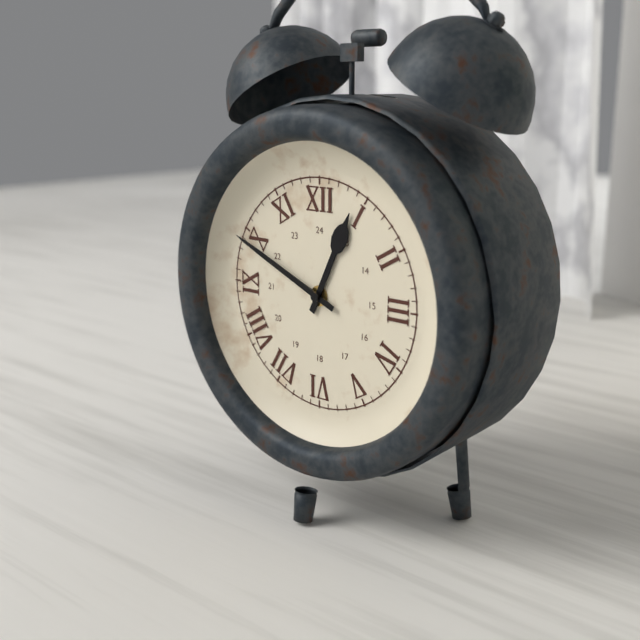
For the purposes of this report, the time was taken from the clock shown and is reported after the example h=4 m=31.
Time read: h=12 m=49
